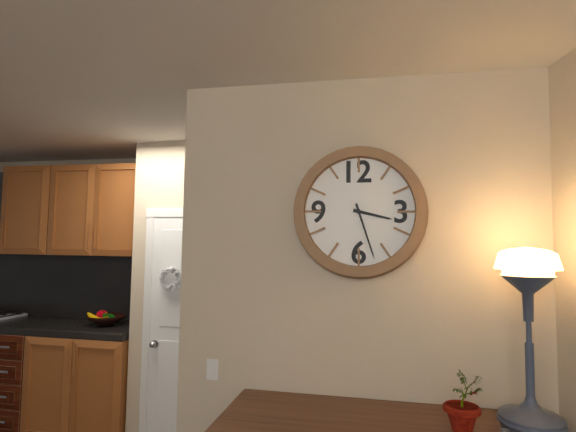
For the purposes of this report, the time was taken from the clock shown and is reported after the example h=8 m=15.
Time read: h=3 m=27
